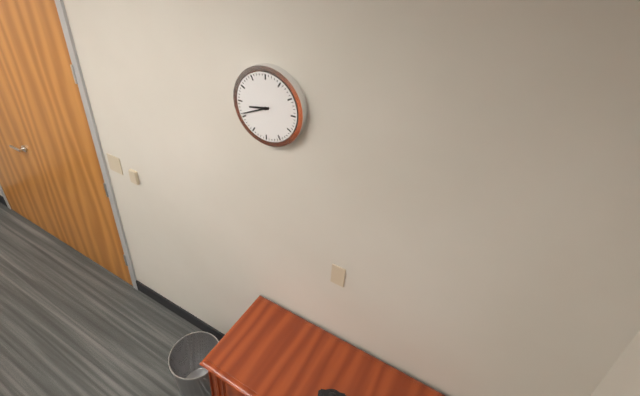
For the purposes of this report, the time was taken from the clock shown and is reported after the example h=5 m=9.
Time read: h=8 m=41
